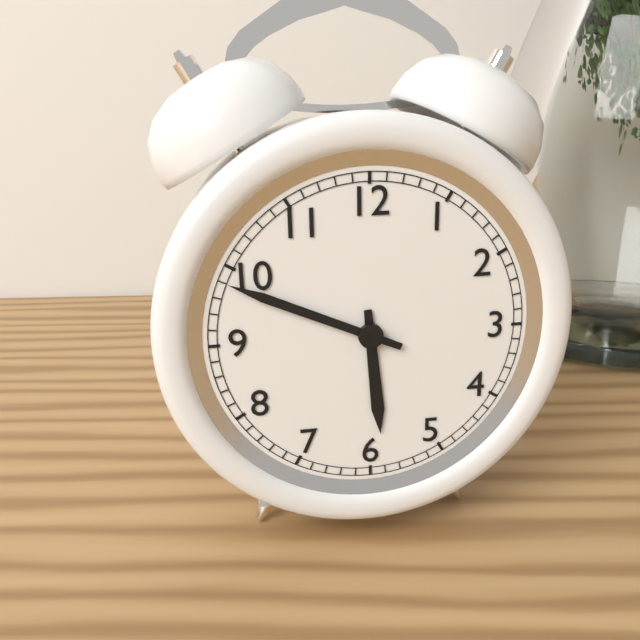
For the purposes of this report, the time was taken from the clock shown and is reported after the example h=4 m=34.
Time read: h=5 m=49
